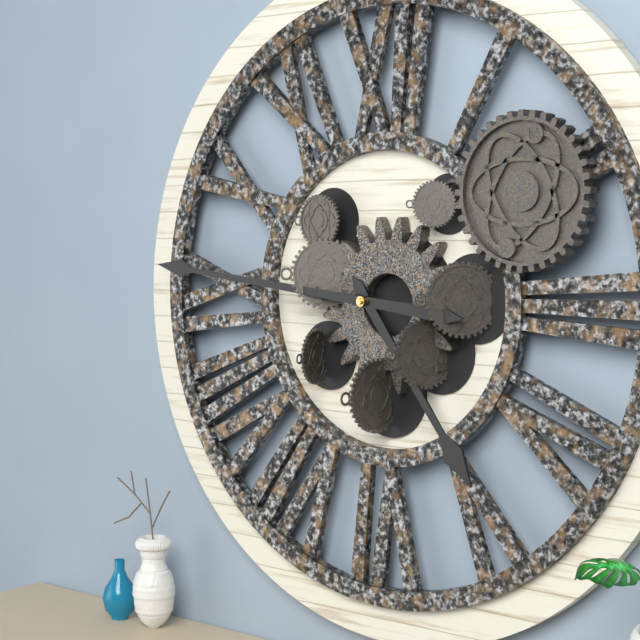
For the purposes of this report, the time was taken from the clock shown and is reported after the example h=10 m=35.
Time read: h=4 m=46
